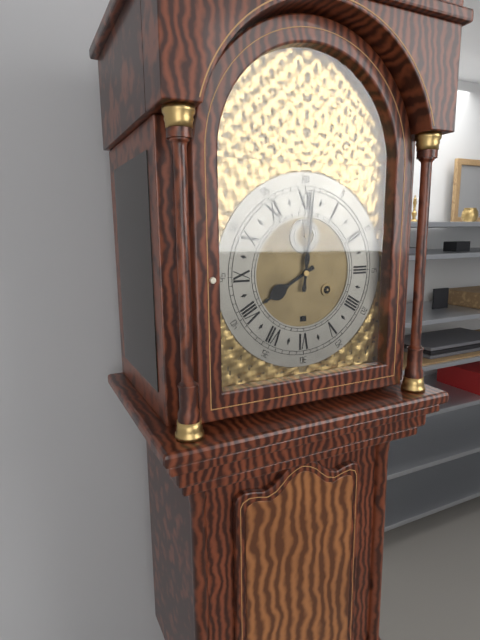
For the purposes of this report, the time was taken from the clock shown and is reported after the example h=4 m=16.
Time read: h=8 m=1
